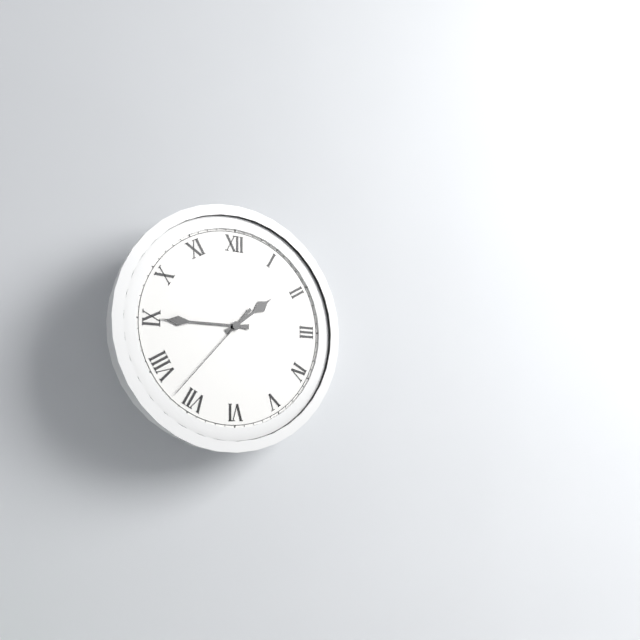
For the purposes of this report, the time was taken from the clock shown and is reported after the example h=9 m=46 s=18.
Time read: h=1 m=45 s=37
